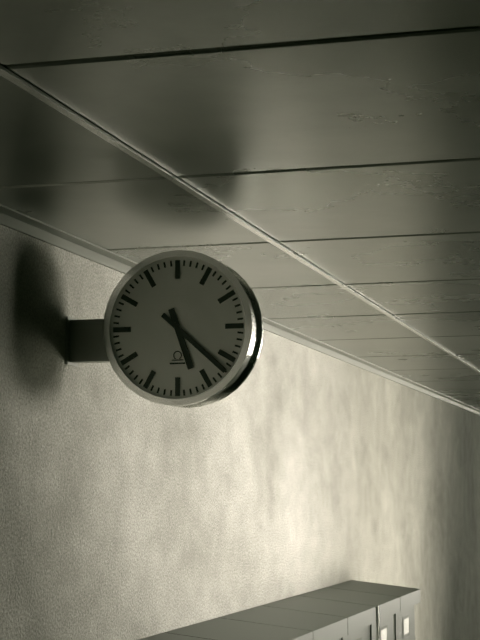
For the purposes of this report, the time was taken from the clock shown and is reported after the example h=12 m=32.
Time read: h=5 m=22
